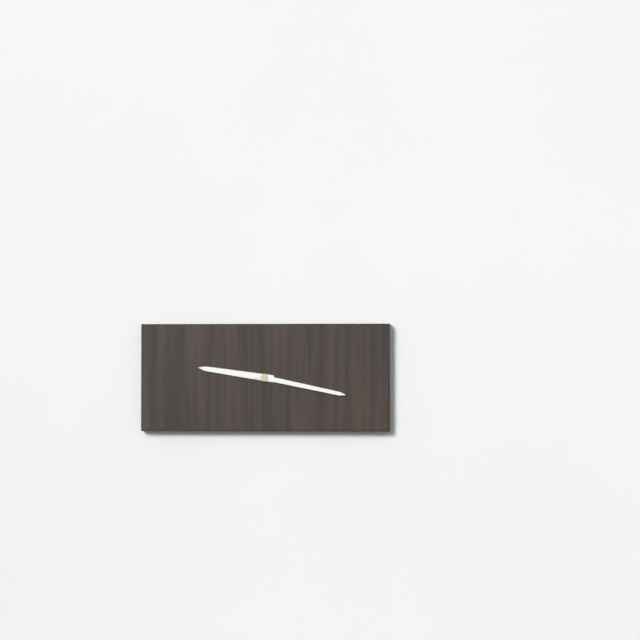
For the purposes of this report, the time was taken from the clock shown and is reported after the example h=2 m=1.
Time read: h=9 m=17
